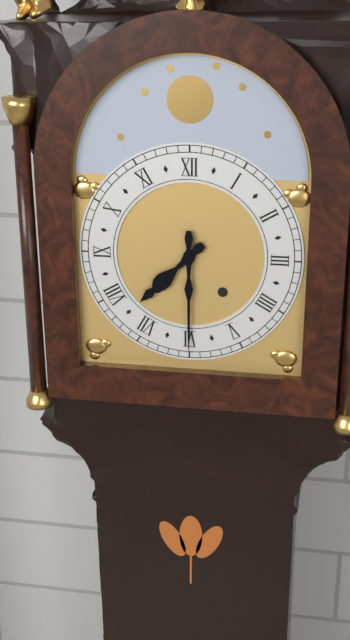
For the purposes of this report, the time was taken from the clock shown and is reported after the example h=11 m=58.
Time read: h=7 m=30
